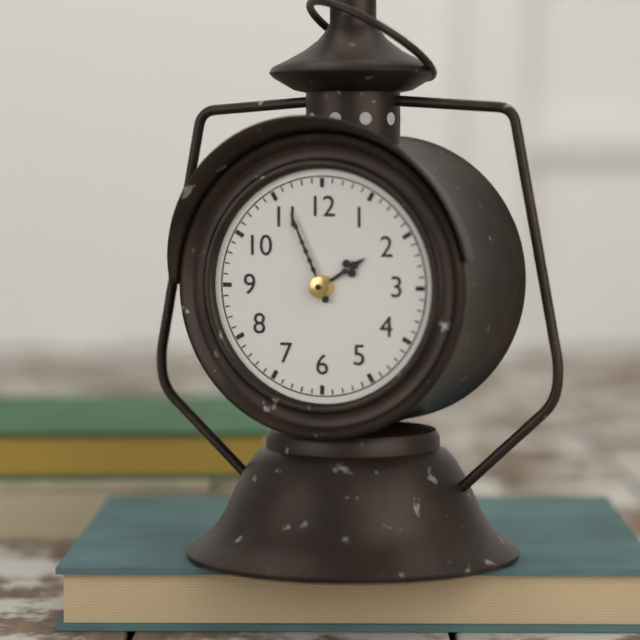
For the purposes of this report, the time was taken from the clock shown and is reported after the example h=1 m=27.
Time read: h=1 m=56
